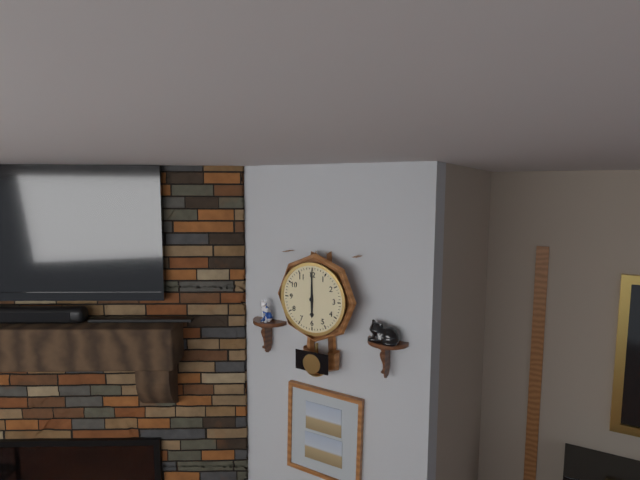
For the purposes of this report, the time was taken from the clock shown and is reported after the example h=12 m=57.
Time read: h=6 m=0
